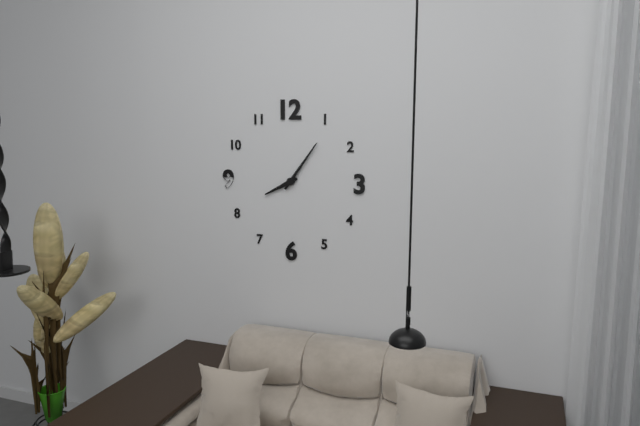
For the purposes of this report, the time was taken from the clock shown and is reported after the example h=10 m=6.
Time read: h=8 m=6
